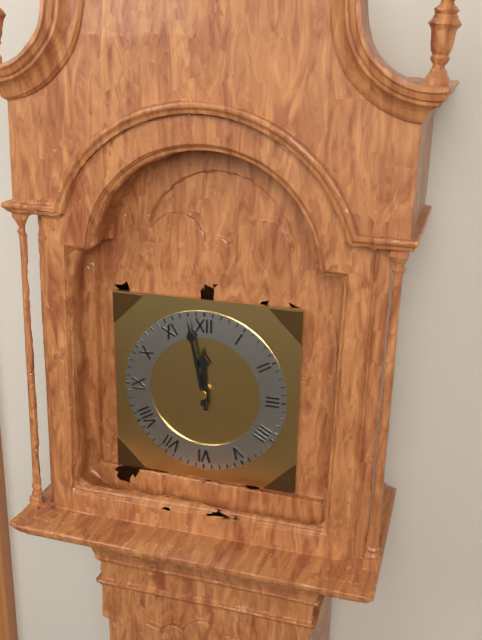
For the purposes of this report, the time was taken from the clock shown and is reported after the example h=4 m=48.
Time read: h=11 m=58
